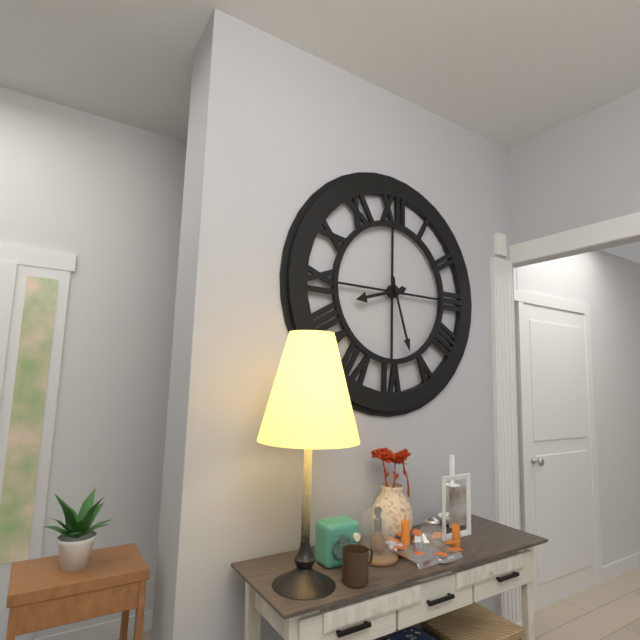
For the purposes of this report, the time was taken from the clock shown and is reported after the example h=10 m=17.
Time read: h=8 m=27
